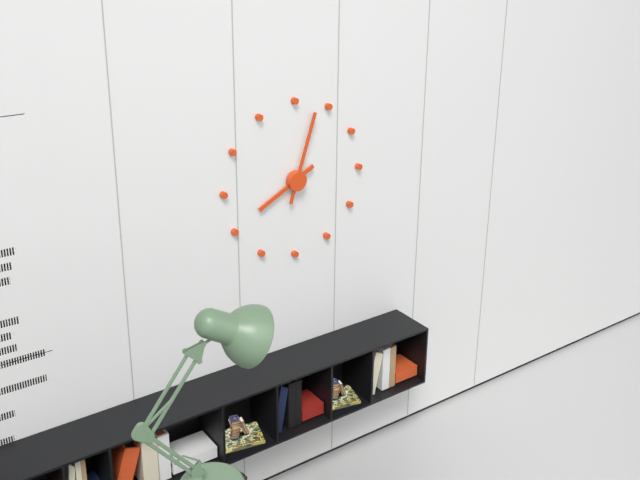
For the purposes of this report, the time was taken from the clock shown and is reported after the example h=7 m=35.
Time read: h=8 m=3
